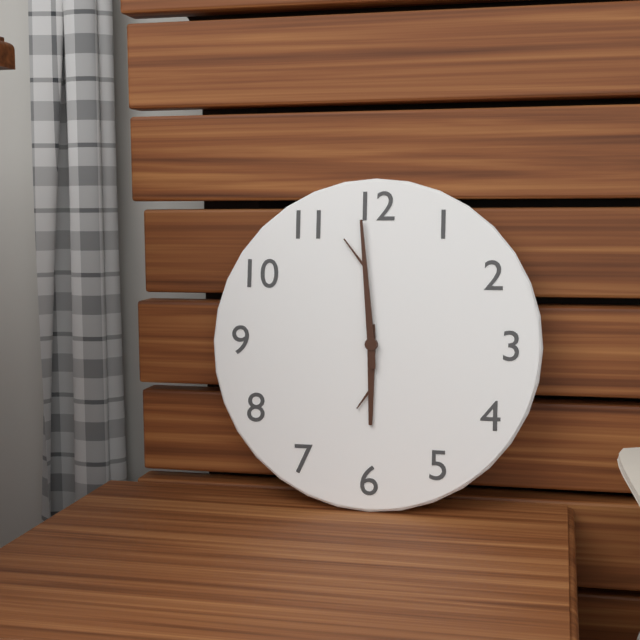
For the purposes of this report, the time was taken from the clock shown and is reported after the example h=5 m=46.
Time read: h=5 m=59
